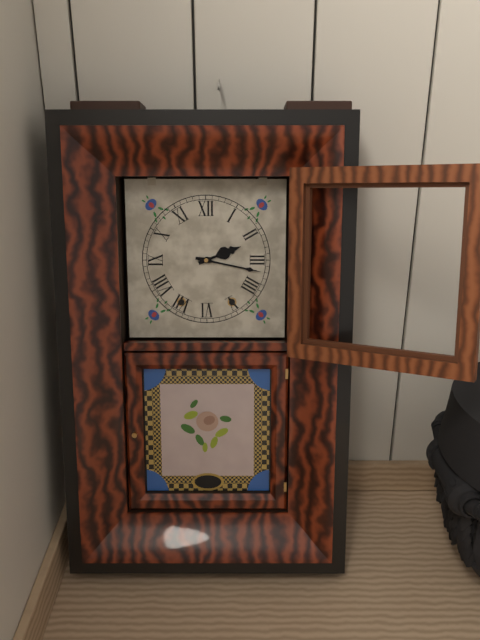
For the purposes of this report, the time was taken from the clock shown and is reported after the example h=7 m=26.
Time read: h=2 m=17
